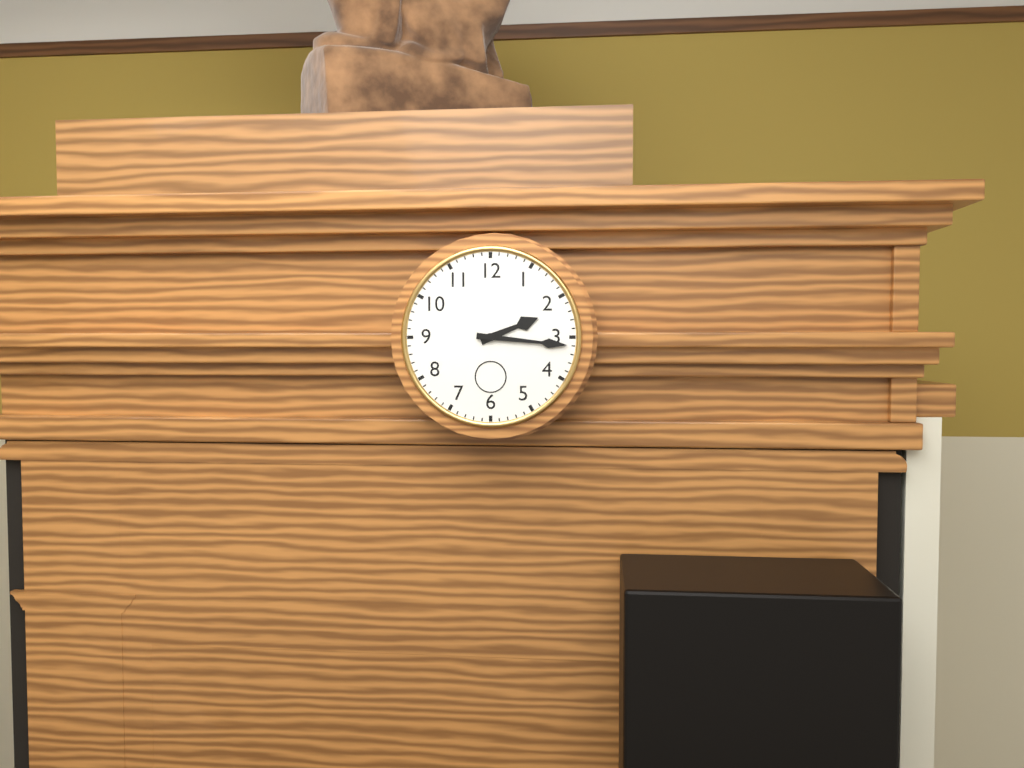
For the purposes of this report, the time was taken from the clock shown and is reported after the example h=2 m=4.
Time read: h=2 m=16
